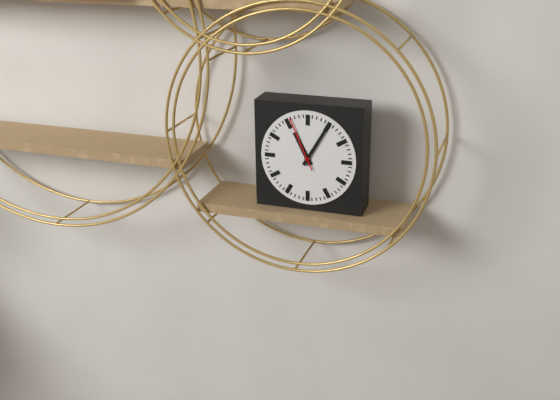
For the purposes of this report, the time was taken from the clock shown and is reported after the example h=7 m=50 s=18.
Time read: h=11 m=5 s=56
